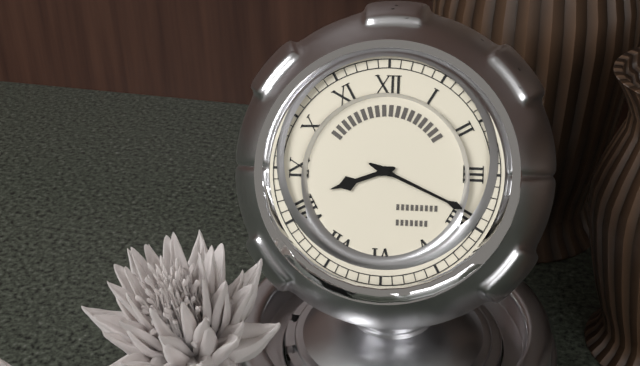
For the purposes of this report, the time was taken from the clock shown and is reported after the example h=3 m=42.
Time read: h=8 m=19
